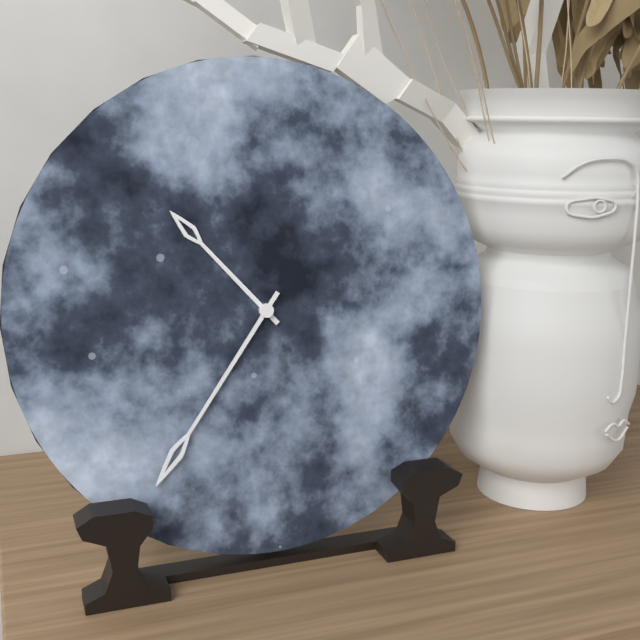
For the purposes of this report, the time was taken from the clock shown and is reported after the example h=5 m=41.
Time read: h=10 m=36
